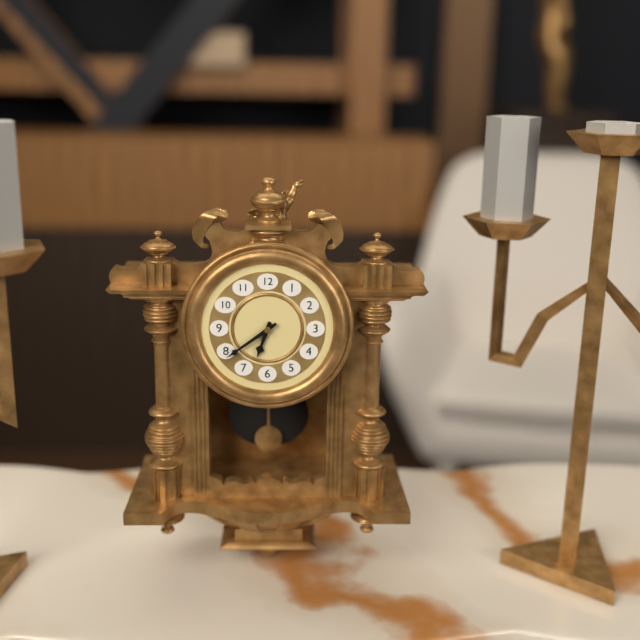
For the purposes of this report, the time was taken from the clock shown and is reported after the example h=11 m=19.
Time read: h=6 m=39
